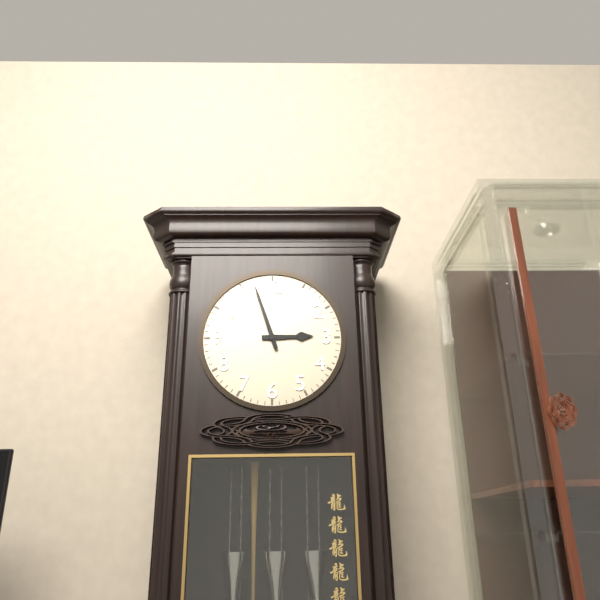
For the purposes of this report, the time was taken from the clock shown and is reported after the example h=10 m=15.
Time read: h=2 m=57
